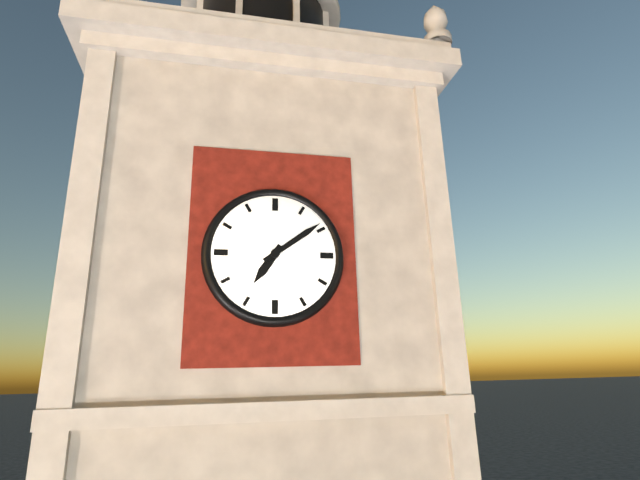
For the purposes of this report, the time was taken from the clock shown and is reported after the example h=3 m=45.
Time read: h=7 m=9
